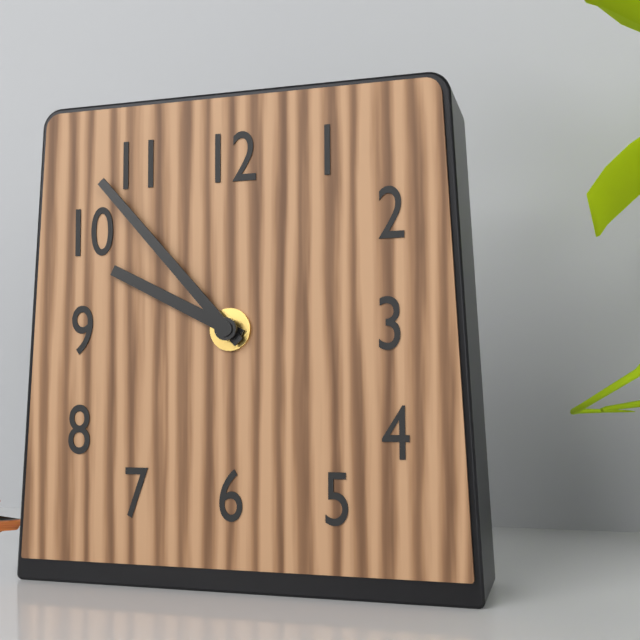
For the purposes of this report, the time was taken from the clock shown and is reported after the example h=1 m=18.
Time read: h=9 m=53
